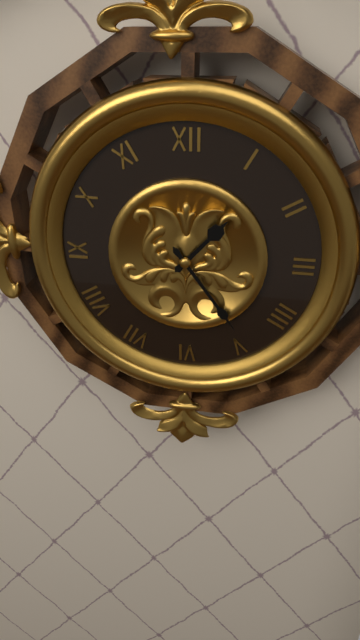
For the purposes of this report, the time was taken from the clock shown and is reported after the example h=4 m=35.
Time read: h=1 m=24
